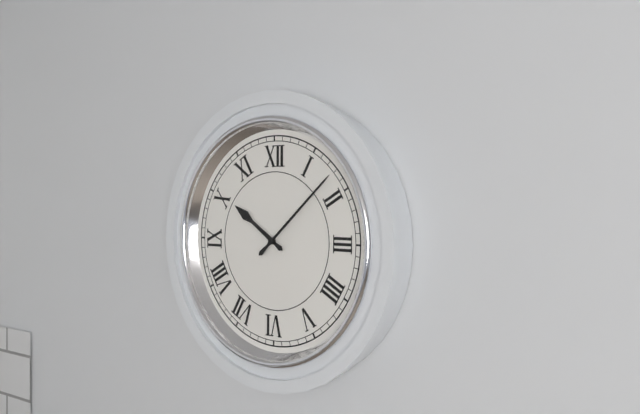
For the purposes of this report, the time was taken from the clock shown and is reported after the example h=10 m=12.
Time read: h=10 m=8
